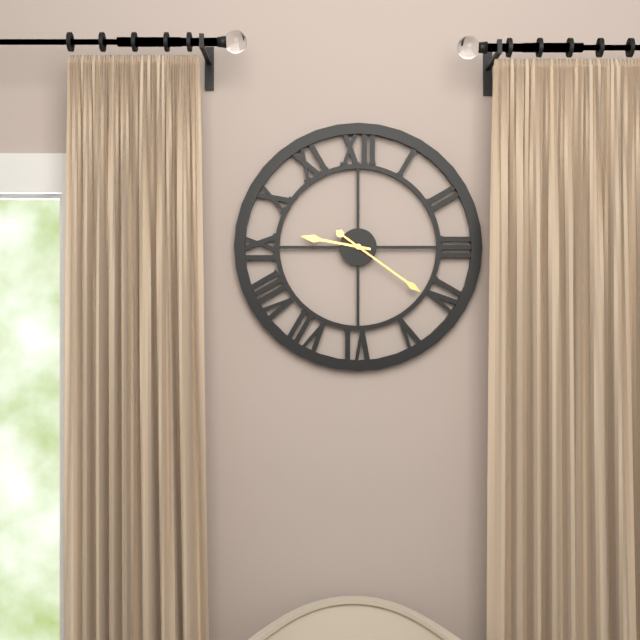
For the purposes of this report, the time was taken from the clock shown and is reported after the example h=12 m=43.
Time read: h=9 m=21
